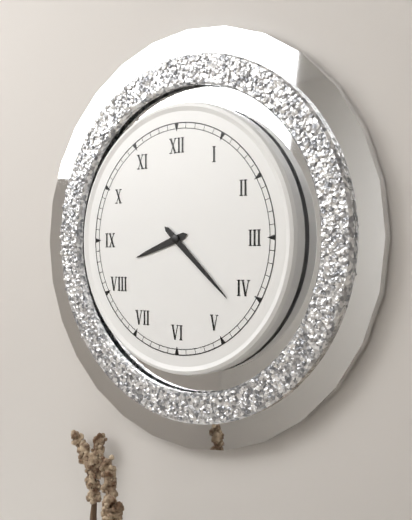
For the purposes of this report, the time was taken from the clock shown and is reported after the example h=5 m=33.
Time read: h=8 m=22
